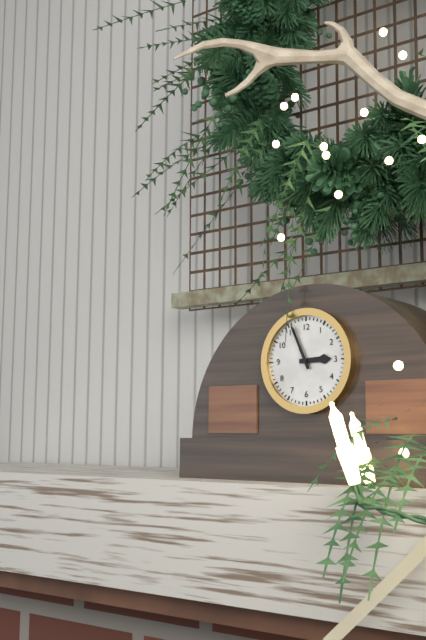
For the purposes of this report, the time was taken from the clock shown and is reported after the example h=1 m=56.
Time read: h=2 m=56
